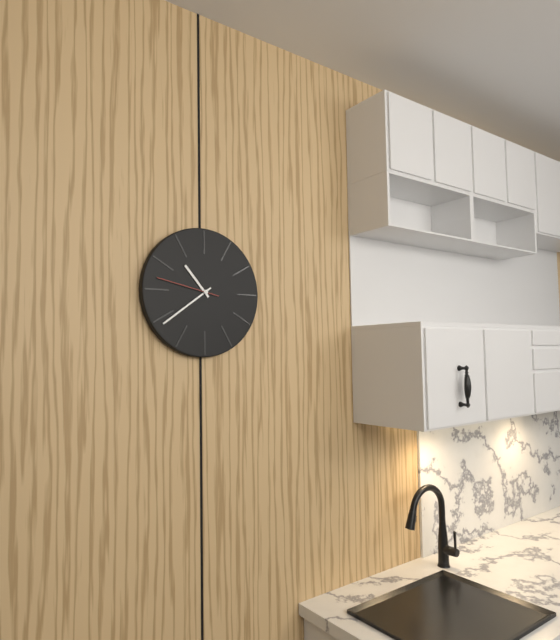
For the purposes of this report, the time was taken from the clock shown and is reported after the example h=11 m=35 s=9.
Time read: h=10 m=39 s=47
